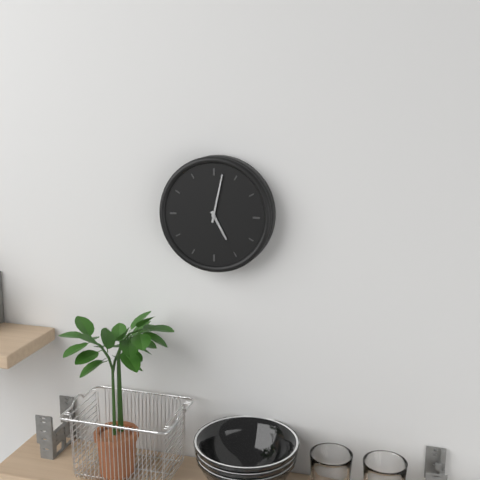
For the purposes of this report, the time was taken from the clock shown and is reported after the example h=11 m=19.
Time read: h=5 m=2
